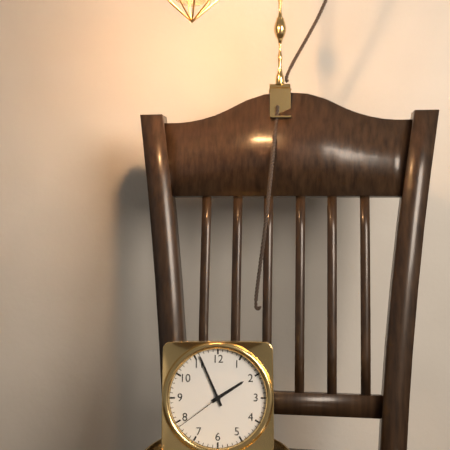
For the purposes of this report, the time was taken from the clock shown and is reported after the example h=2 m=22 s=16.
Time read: h=1 m=56 s=39
